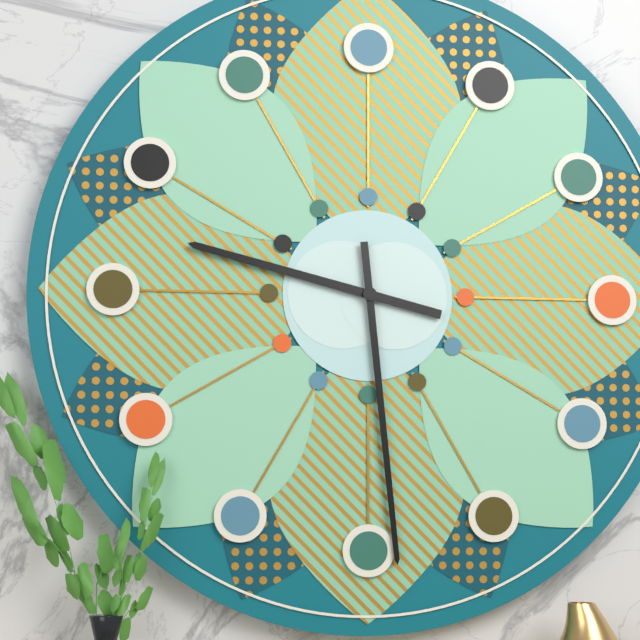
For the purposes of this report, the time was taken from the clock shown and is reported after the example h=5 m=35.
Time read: h=9 m=29
